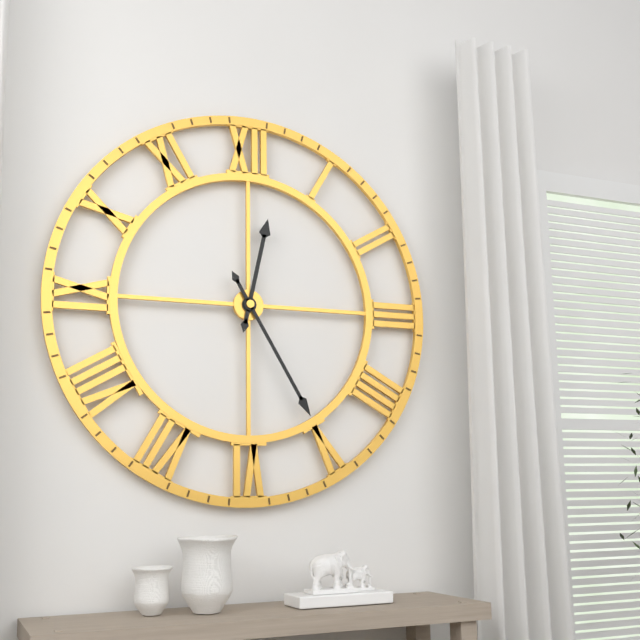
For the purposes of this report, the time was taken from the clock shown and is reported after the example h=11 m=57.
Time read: h=12 m=25
